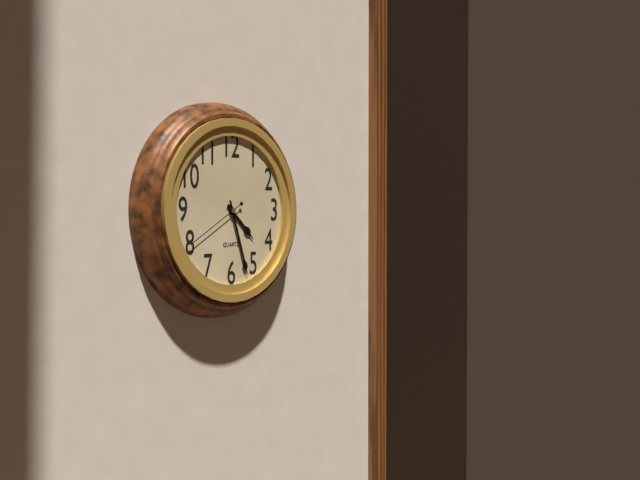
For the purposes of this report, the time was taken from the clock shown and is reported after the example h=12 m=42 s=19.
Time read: h=4 m=27 s=40
